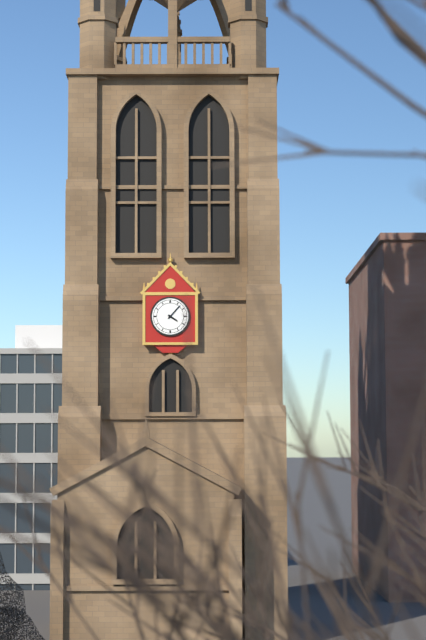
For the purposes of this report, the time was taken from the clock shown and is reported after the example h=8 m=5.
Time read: h=4 m=7
